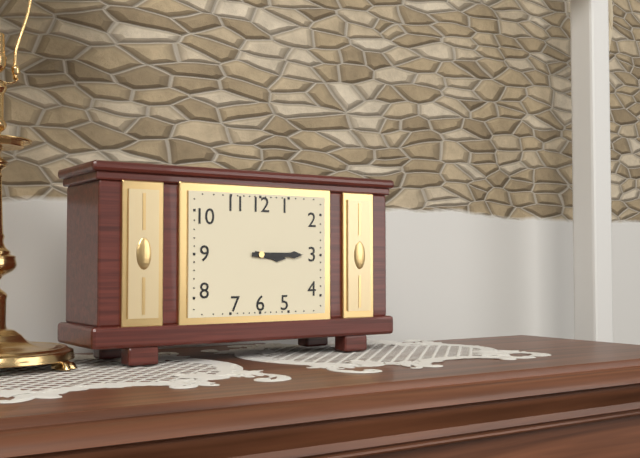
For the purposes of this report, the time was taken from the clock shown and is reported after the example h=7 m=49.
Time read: h=3 m=15
